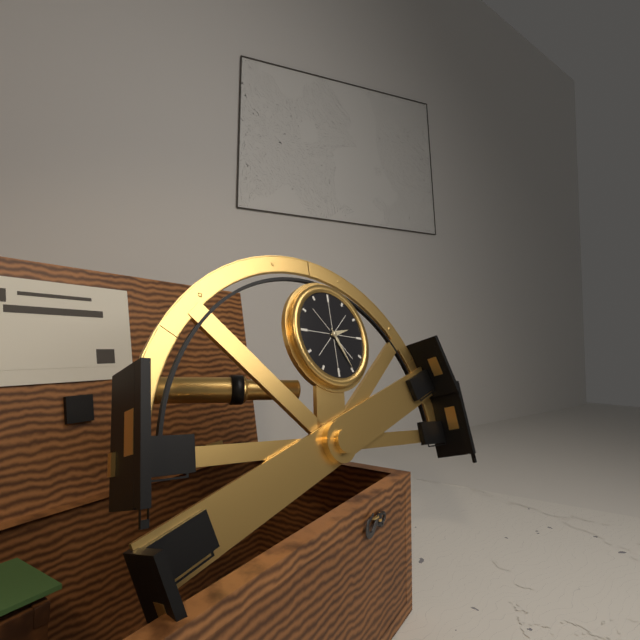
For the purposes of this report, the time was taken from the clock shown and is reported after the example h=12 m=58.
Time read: h=2 m=25
